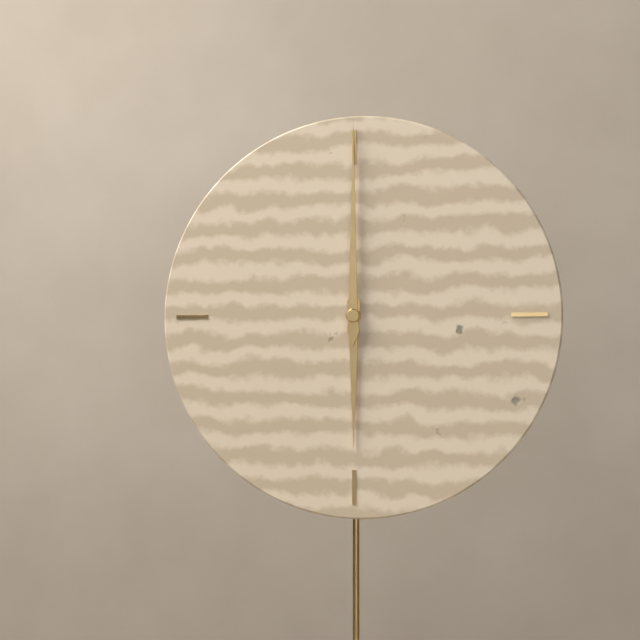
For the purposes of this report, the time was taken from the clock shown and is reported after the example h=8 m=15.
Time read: h=6 m=0
